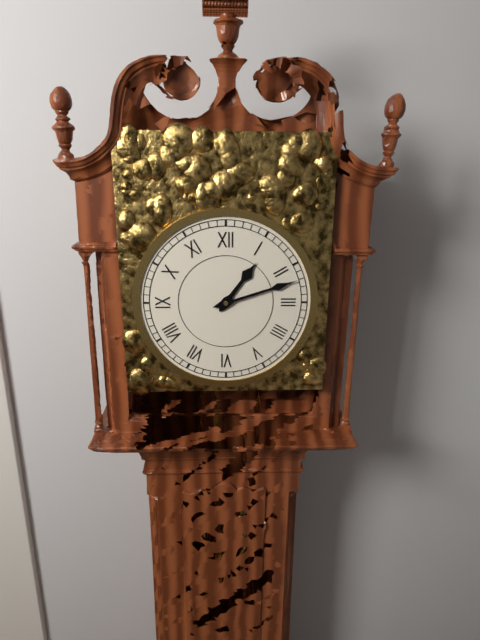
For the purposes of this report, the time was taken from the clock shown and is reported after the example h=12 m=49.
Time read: h=1 m=12
